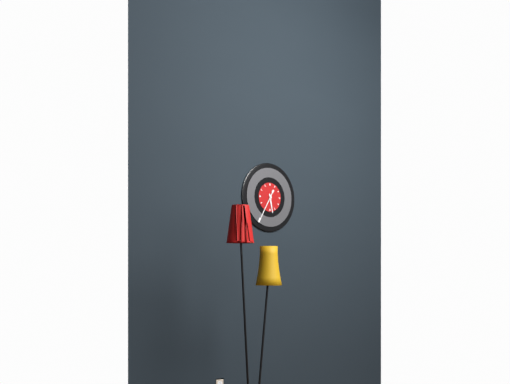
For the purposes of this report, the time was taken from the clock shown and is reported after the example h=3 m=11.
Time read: h=5 m=35
